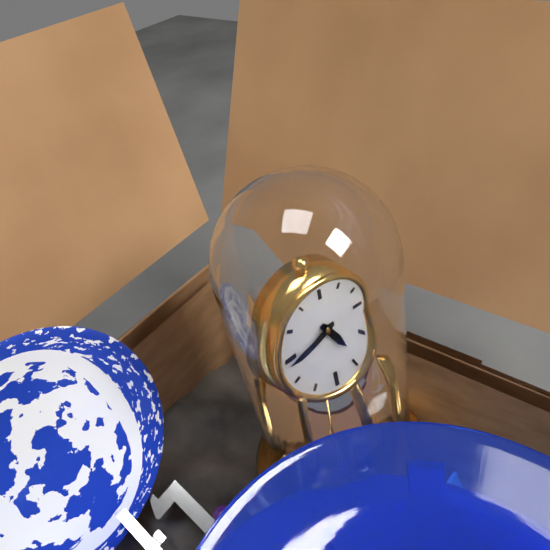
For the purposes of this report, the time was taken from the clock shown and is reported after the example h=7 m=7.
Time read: h=4 m=44
